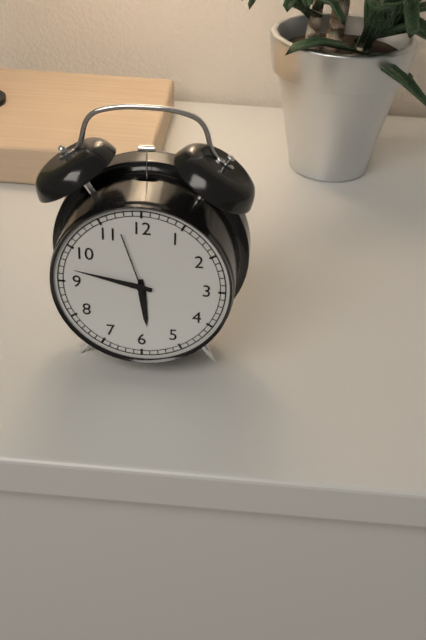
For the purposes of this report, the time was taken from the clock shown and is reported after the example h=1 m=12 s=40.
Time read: h=5 m=47 s=57
